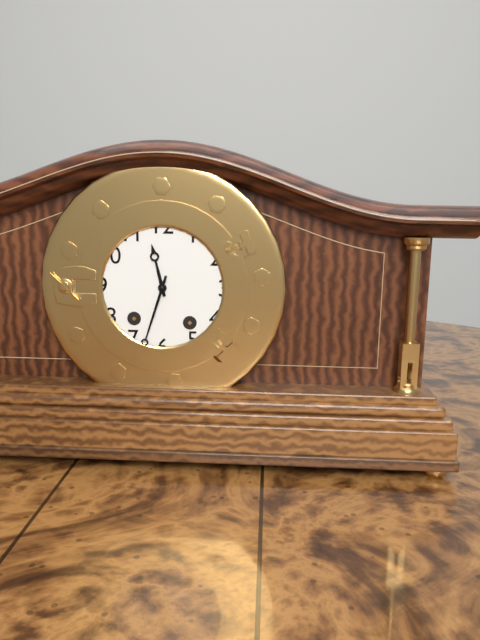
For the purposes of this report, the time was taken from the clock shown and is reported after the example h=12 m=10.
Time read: h=11 m=33
